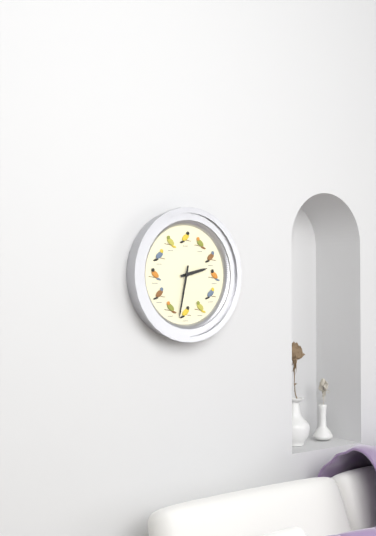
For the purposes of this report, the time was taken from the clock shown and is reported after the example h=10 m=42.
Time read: h=2 m=32
